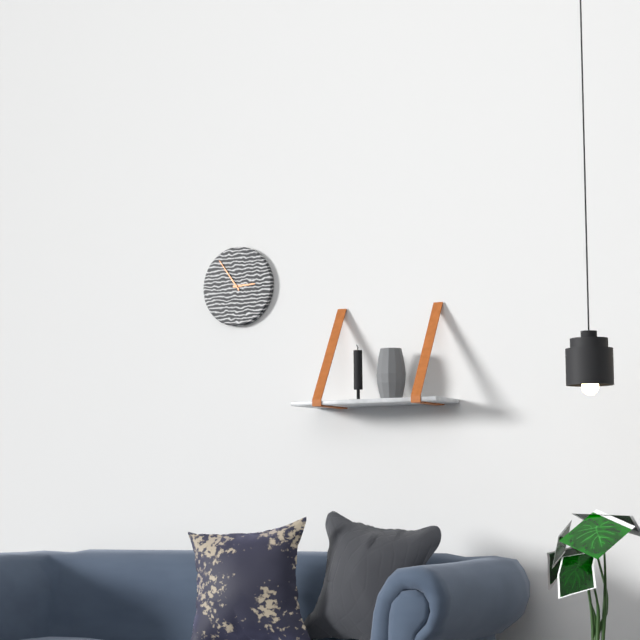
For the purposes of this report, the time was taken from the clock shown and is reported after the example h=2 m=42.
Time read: h=2 m=54
